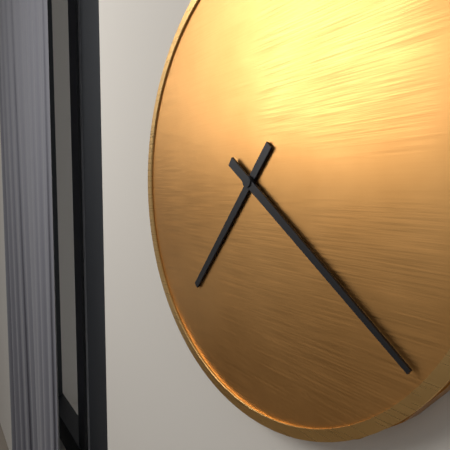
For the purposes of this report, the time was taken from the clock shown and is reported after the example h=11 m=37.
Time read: h=7 m=21
